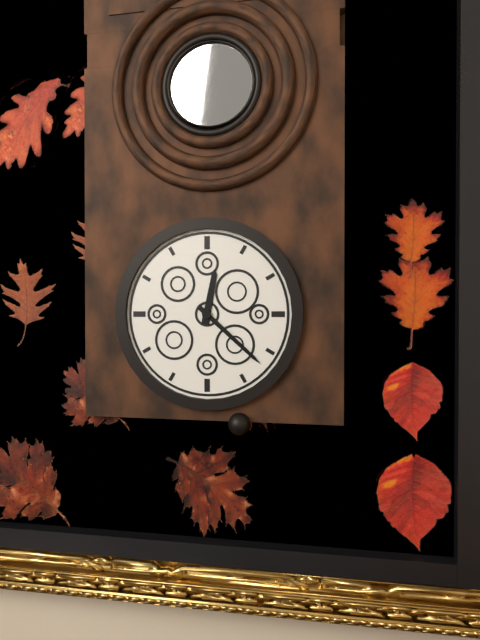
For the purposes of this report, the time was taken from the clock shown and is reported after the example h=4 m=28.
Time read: h=12 m=22
